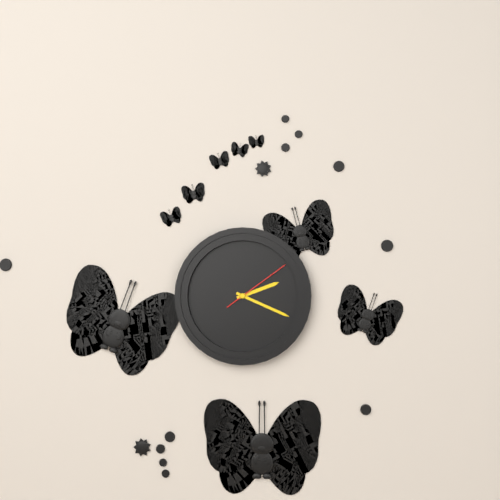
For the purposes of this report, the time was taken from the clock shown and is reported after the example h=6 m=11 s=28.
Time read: h=2 m=19 s=9
